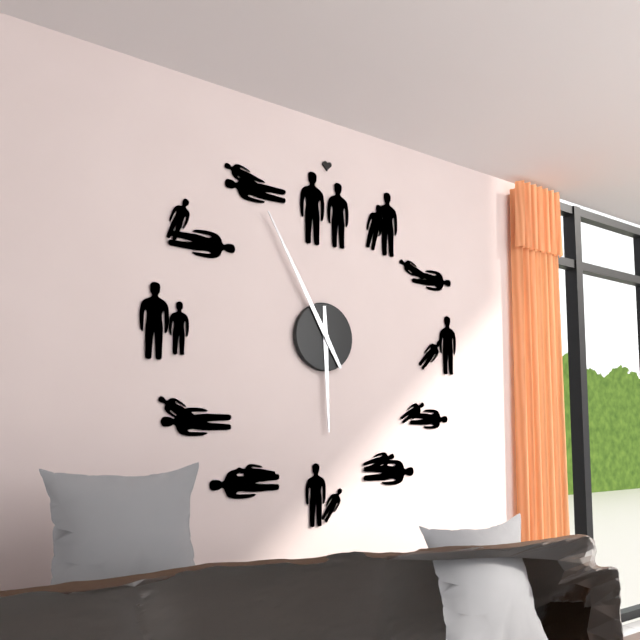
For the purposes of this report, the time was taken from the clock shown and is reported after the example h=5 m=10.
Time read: h=5 m=55
